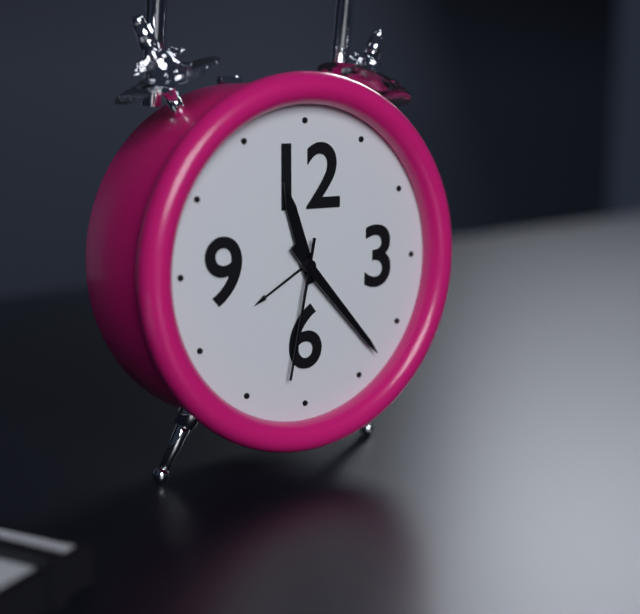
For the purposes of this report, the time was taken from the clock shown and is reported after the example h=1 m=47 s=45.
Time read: h=11 m=23 s=32
